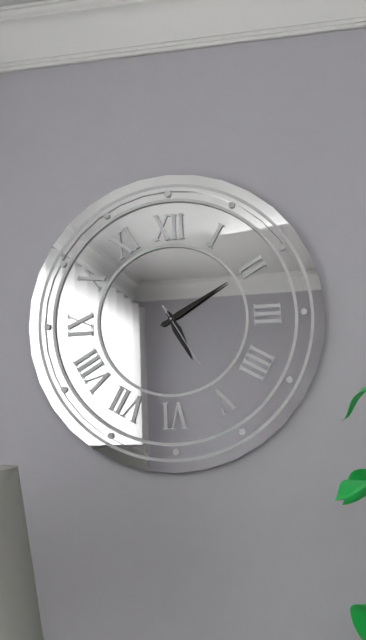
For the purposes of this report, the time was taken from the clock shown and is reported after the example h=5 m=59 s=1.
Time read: h=5 m=10 s=25
